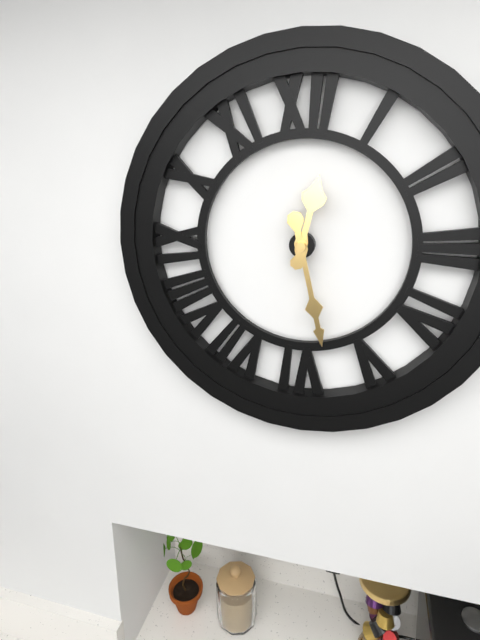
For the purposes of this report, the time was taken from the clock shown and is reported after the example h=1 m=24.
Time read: h=12 m=28
